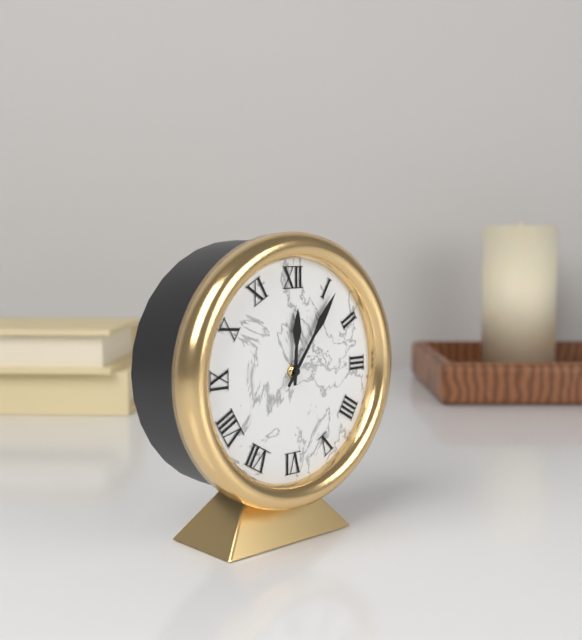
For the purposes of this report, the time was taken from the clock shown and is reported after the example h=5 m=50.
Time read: h=12 m=6
